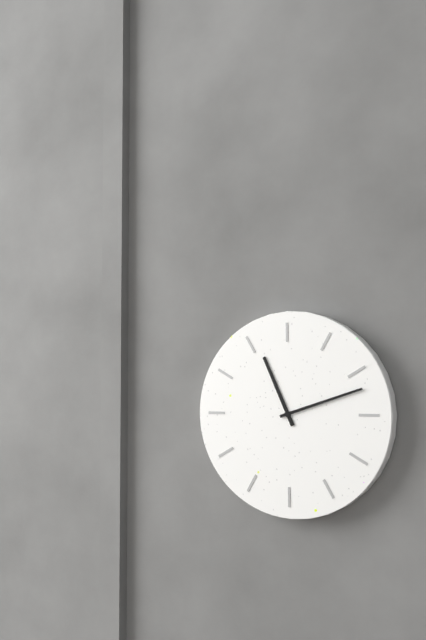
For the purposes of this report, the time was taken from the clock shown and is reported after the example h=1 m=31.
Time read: h=11 m=12
